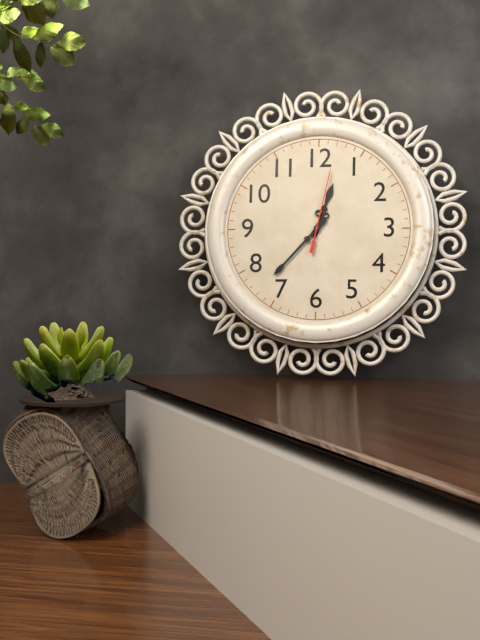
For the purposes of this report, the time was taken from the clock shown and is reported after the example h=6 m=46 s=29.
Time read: h=12 m=37 s=2
